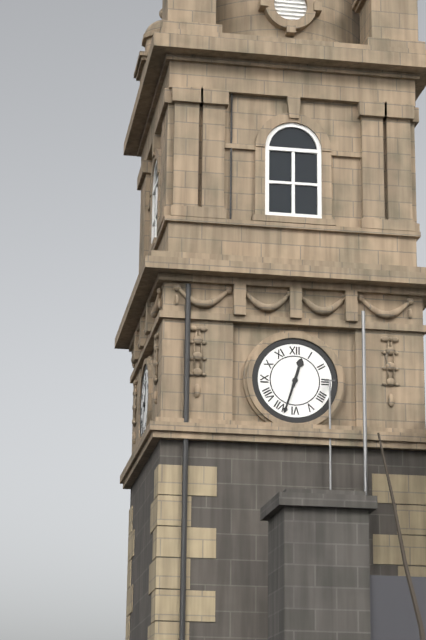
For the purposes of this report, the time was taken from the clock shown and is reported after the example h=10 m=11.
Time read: h=12 m=33
